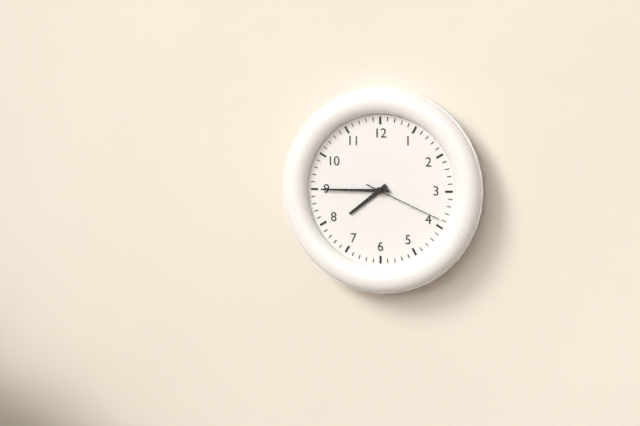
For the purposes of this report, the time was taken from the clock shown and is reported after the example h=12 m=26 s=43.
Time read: h=7 m=45 s=19
